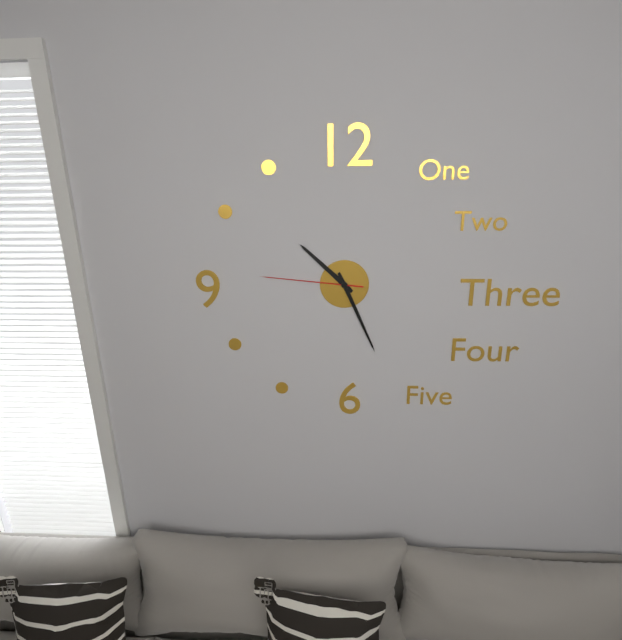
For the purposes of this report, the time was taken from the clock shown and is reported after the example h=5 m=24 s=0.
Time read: h=10 m=26 s=46
